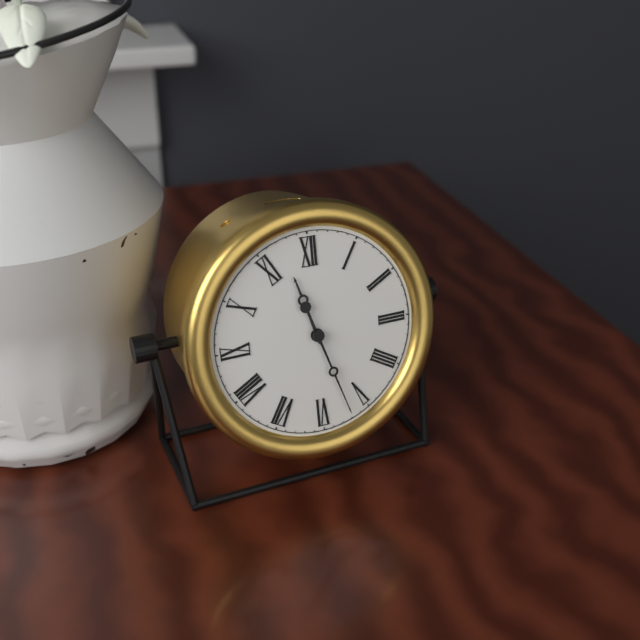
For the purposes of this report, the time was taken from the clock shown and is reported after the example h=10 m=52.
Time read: h=11 m=27
